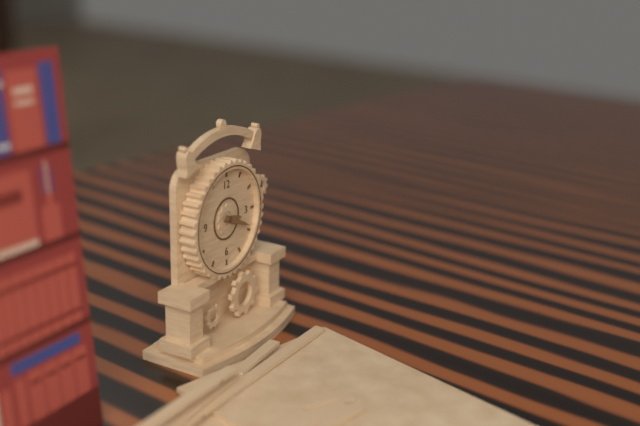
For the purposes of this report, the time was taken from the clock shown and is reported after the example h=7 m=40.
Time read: h=3 m=19
